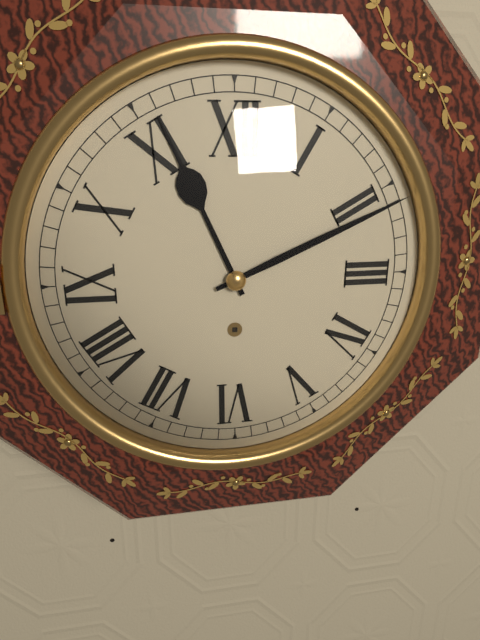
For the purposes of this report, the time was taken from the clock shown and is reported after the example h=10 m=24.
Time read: h=11 m=11
